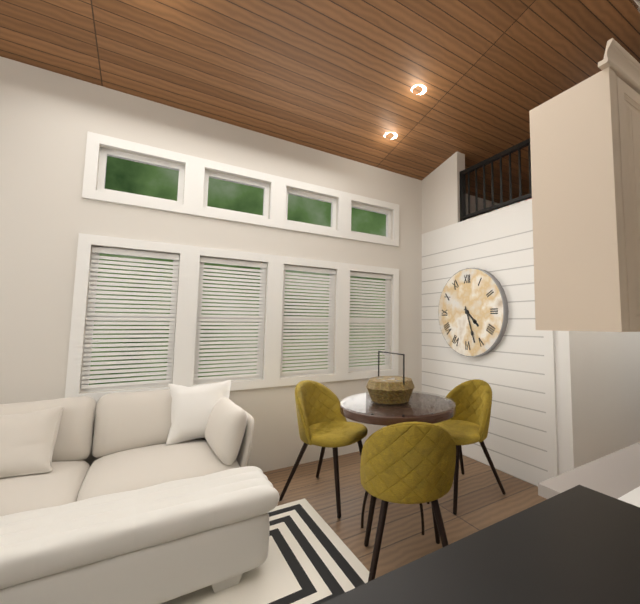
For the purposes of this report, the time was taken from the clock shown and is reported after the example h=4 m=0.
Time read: h=4 m=27
